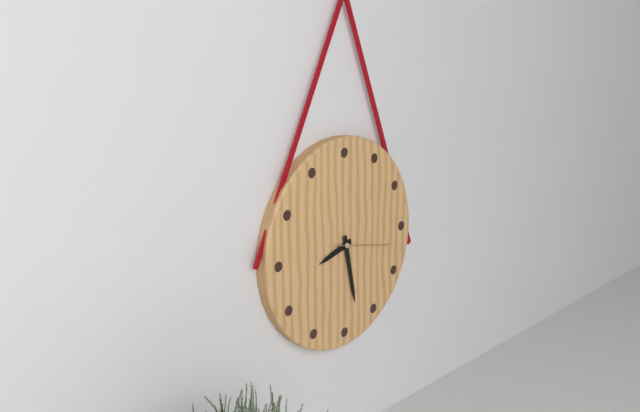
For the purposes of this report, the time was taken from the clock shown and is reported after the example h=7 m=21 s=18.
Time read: h=8 m=28 s=17
